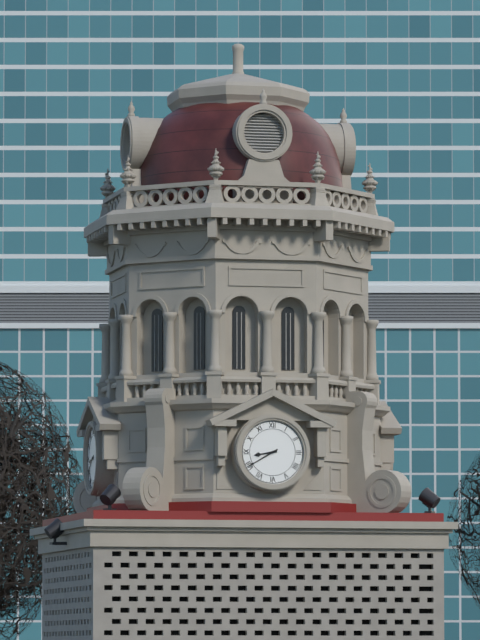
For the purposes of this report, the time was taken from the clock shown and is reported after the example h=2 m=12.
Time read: h=8 m=40
